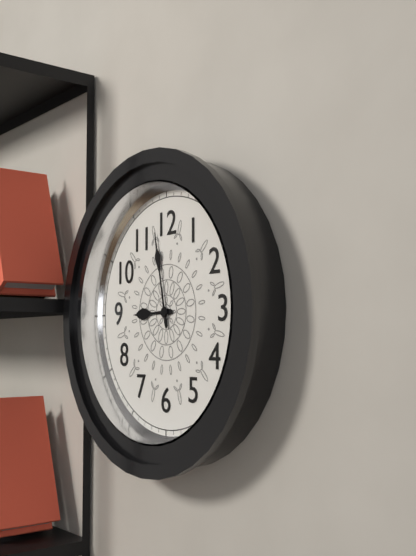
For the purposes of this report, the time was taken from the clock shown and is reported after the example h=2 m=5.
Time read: h=8 m=58
